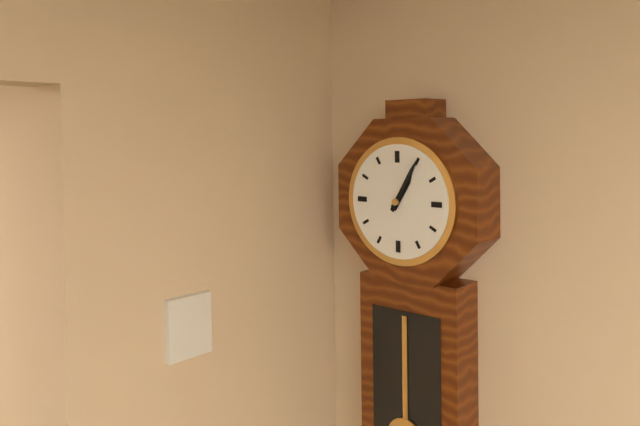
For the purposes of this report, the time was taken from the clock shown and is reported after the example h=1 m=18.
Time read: h=1 m=5
